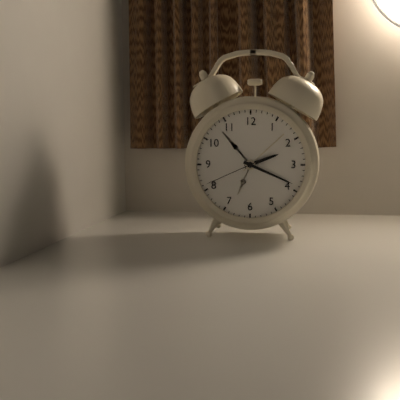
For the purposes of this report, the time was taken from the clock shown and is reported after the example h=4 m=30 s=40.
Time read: h=2 m=19 s=41
